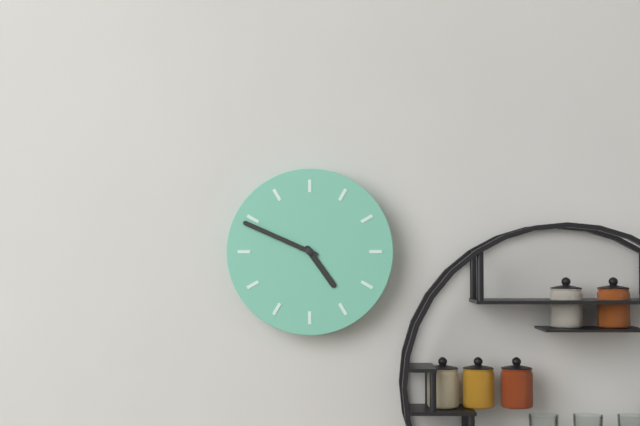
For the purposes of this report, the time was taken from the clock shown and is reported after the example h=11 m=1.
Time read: h=4 m=49
